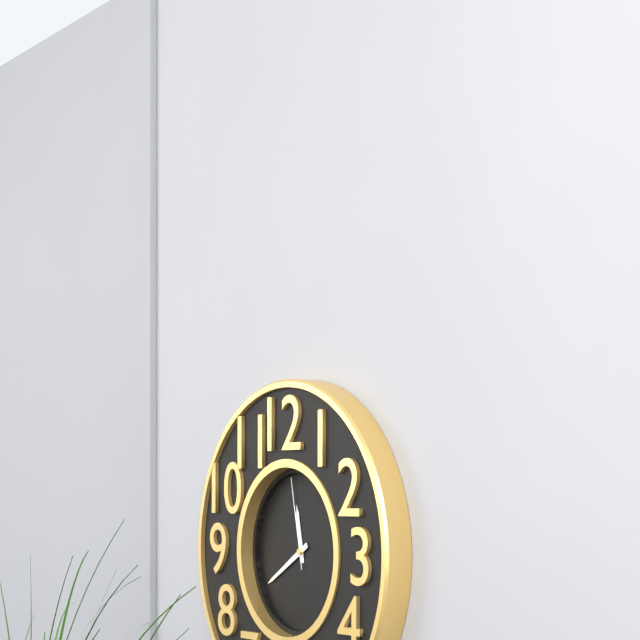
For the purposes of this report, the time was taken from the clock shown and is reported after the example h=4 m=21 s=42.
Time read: h=11 m=40 s=58
